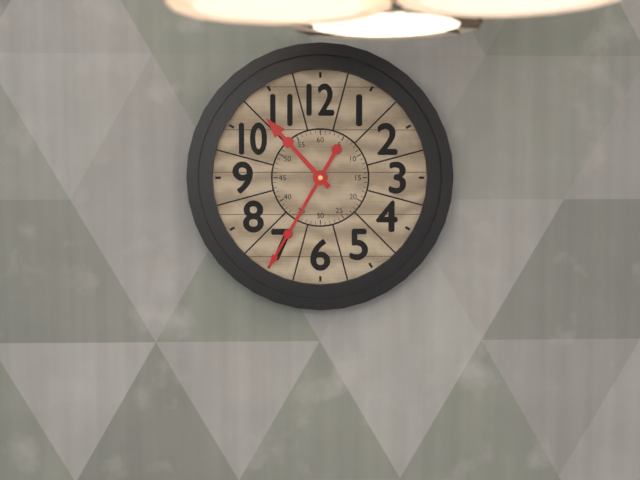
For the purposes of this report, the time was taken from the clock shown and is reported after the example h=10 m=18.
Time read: h=10 m=35
